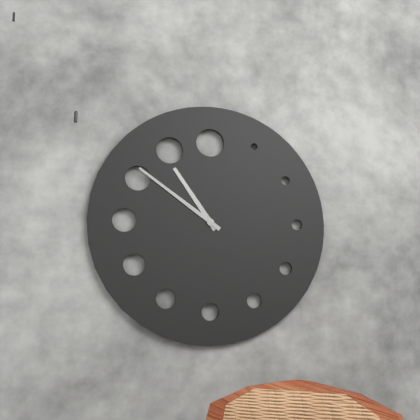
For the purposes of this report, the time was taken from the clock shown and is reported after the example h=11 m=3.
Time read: h=10 m=51
